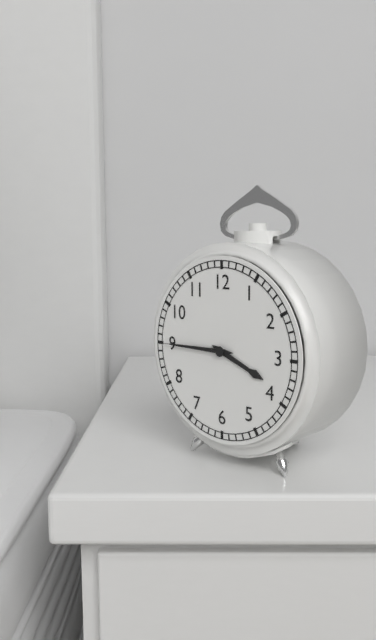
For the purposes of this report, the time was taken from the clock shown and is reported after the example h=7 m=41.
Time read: h=3 m=45
